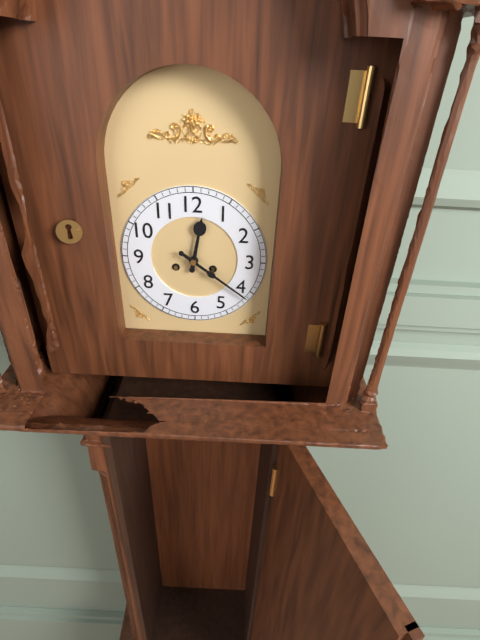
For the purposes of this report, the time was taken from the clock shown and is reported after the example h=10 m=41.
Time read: h=12 m=21
